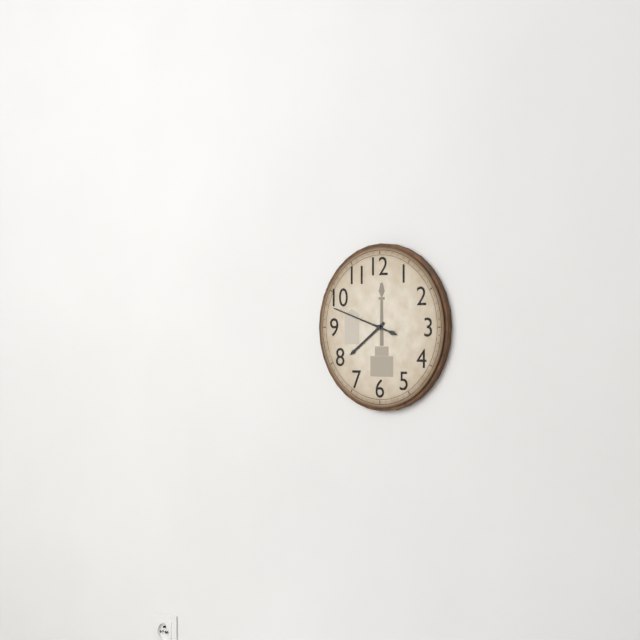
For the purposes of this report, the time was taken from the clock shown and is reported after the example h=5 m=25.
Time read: h=7 m=48
